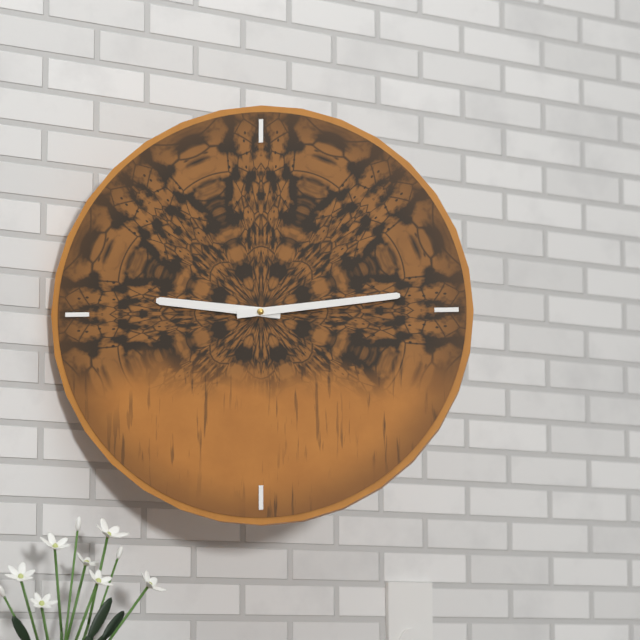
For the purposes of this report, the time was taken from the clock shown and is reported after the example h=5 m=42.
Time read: h=9 m=14
